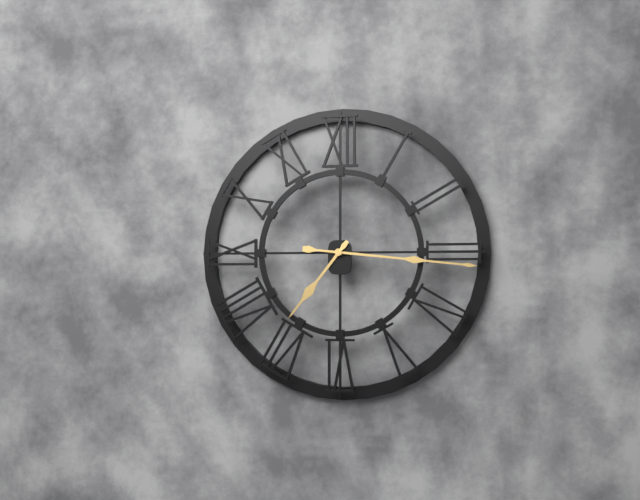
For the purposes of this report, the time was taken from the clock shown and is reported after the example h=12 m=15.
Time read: h=7 m=16
